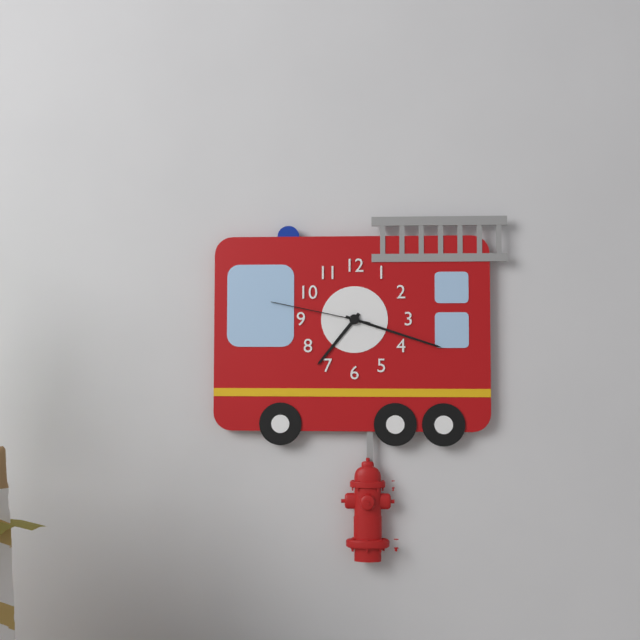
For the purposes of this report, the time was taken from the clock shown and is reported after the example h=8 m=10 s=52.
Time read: h=7 m=18 s=47
